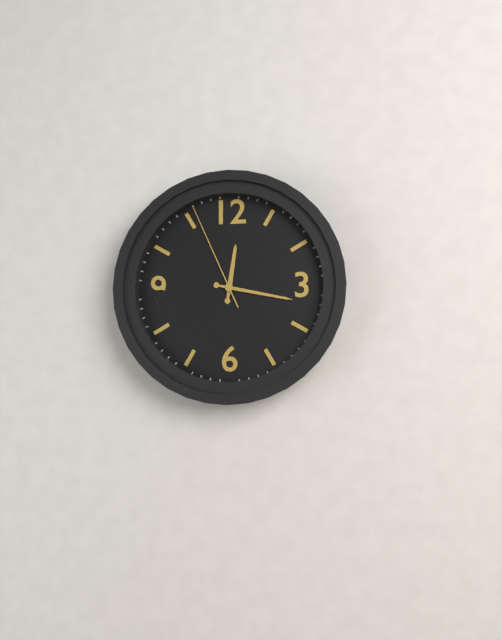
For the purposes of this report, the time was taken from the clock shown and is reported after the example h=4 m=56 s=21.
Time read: h=12 m=17 s=56
